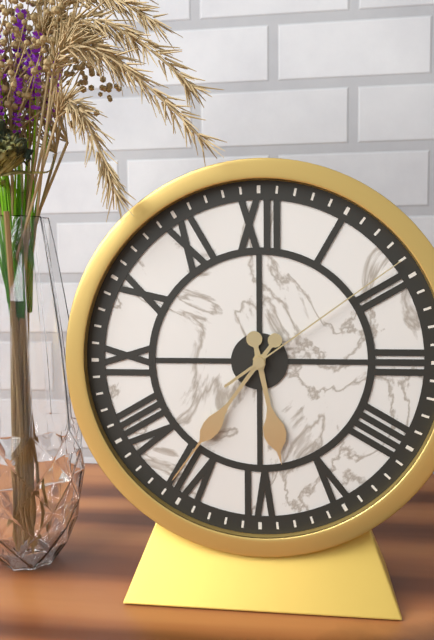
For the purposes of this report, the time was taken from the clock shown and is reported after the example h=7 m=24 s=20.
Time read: h=5 m=36 s=9
